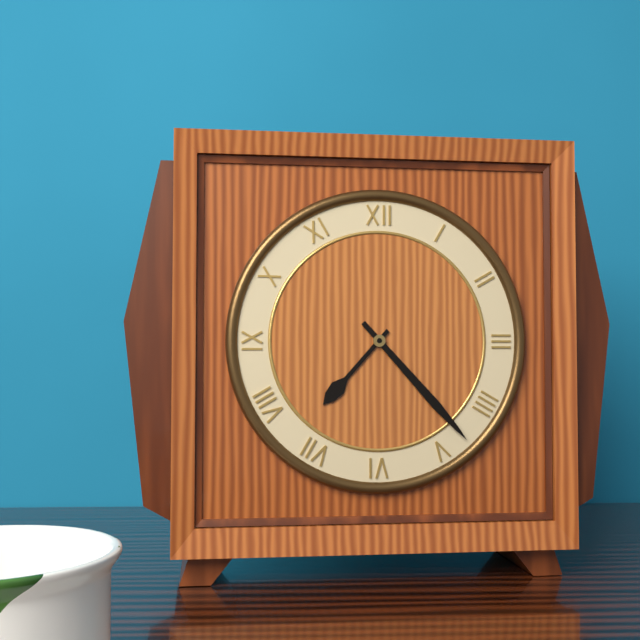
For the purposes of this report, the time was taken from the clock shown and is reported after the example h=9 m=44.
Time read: h=7 m=23
